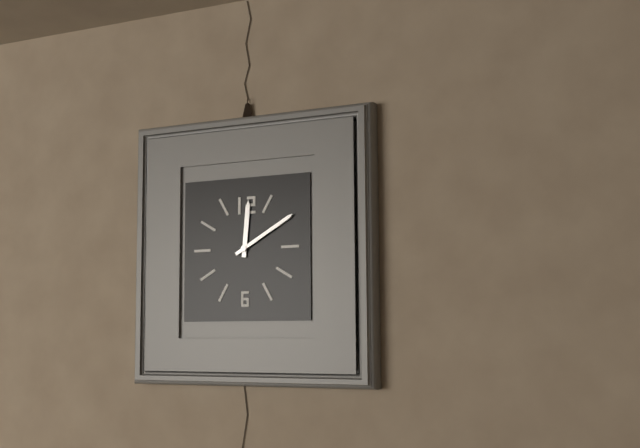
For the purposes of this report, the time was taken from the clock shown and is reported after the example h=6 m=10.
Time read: h=12 m=10
